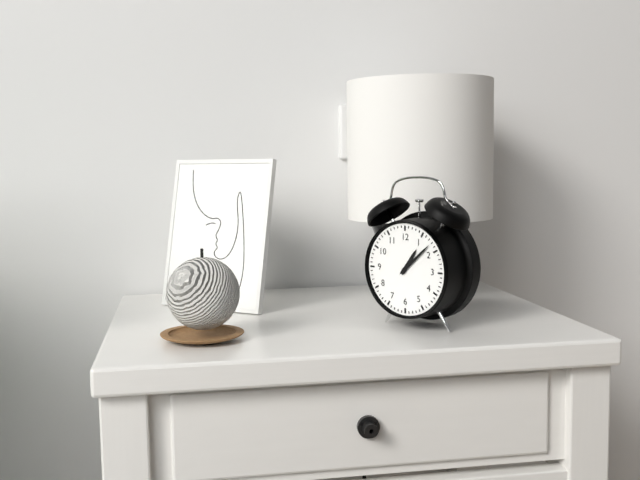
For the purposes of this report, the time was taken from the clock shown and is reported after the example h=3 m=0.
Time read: h=1 m=8
